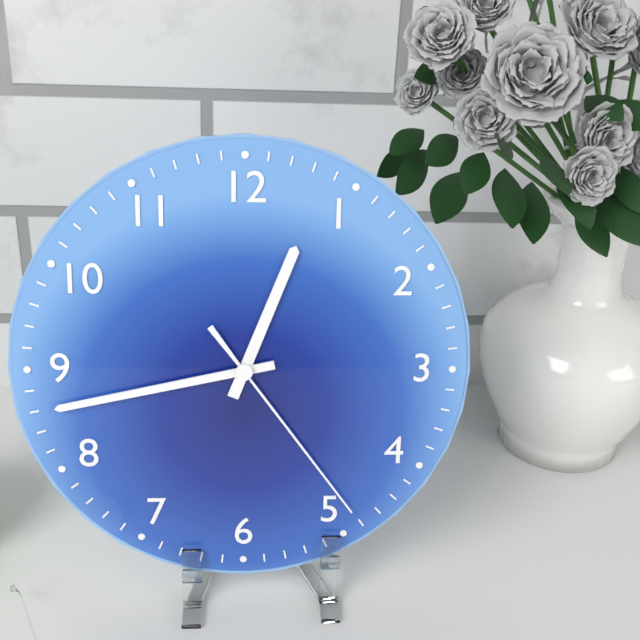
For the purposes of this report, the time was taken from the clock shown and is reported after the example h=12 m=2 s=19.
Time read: h=12 m=43 s=24
